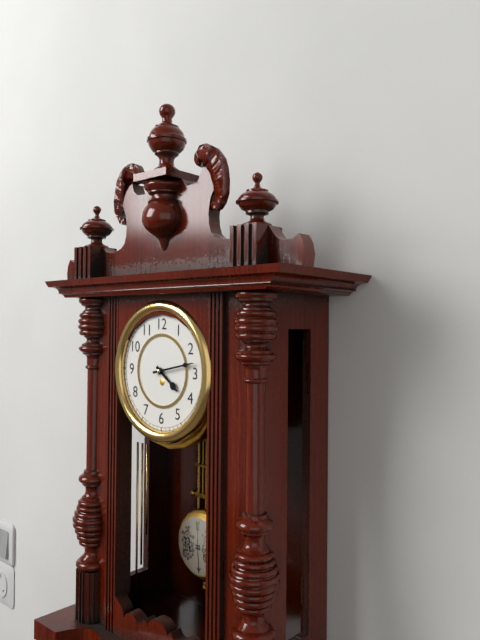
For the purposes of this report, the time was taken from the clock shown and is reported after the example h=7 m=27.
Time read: h=4 m=13
